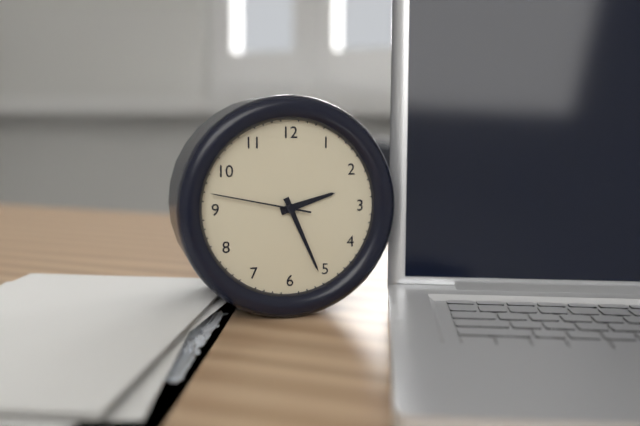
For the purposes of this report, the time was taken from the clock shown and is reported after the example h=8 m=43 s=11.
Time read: h=2 m=26 s=47
